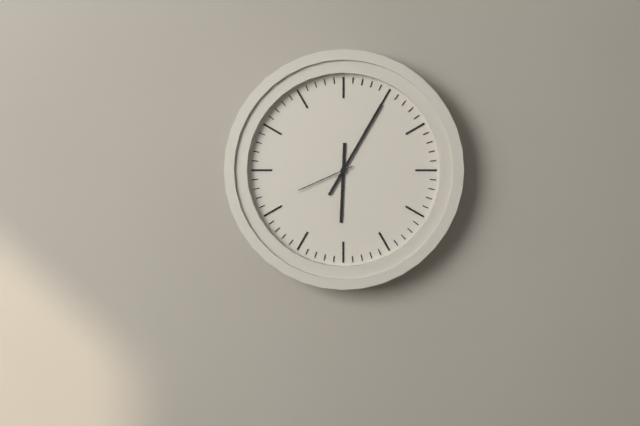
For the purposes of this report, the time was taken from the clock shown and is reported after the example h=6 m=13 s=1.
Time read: h=6 m=5 s=41
